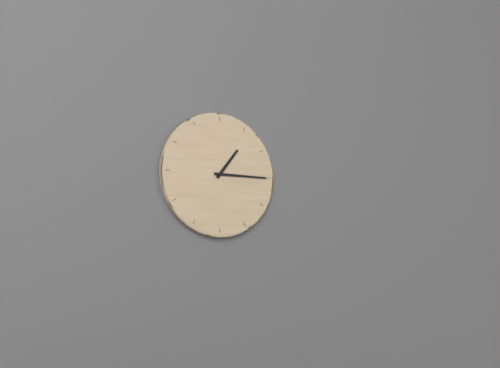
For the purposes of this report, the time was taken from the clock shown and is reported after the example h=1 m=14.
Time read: h=1 m=15
